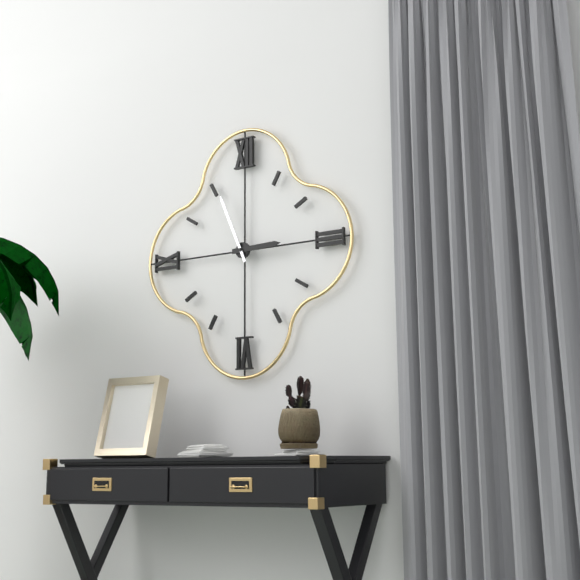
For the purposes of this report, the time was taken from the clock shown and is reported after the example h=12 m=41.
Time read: h=2 m=56
